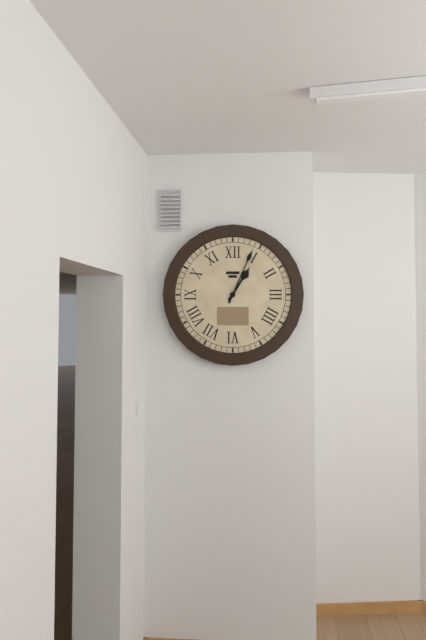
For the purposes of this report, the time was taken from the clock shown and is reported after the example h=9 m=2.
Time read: h=1 m=4
